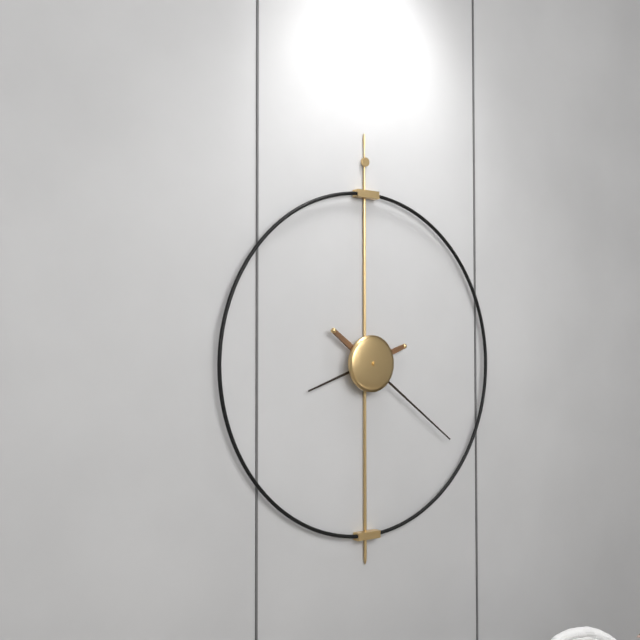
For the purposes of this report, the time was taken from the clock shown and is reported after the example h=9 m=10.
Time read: h=8 m=21
